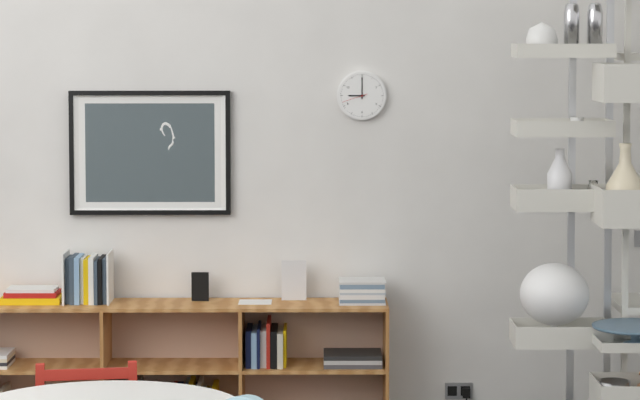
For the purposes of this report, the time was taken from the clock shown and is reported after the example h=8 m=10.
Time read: h=9 m=0
